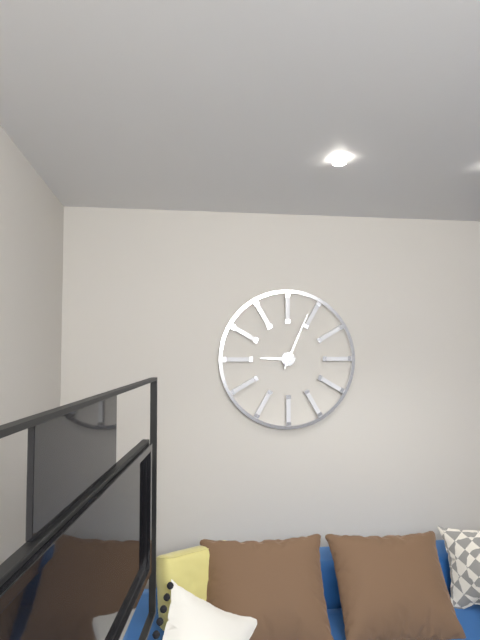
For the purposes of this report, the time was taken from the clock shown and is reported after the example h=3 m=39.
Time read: h=9 m=4
